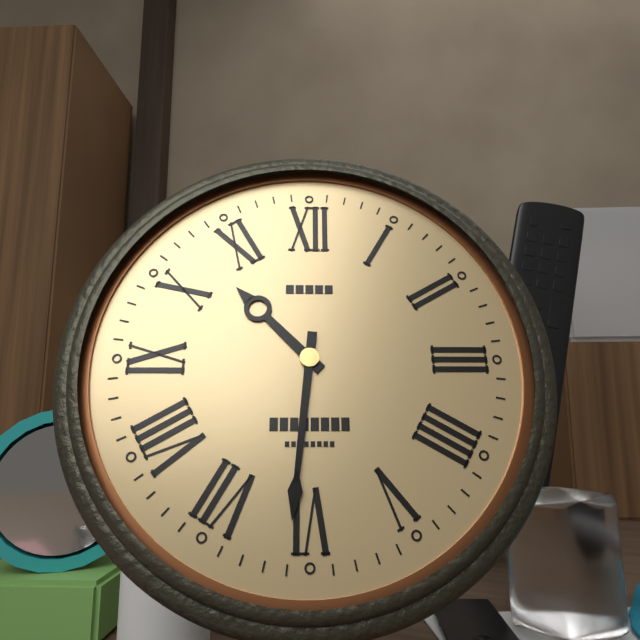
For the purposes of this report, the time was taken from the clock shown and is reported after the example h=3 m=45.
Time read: h=10 m=31
